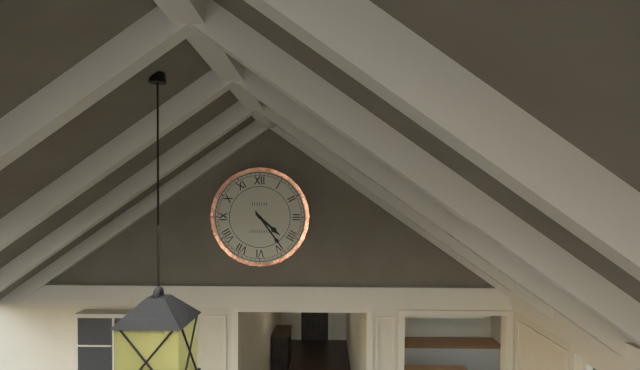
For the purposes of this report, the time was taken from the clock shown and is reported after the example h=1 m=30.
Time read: h=4 m=24
